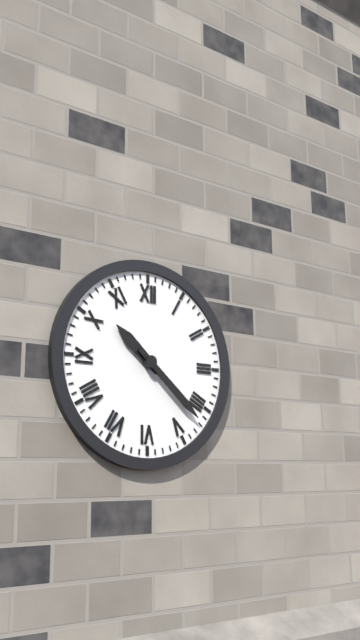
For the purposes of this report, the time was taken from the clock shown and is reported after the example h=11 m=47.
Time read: h=10 m=22
